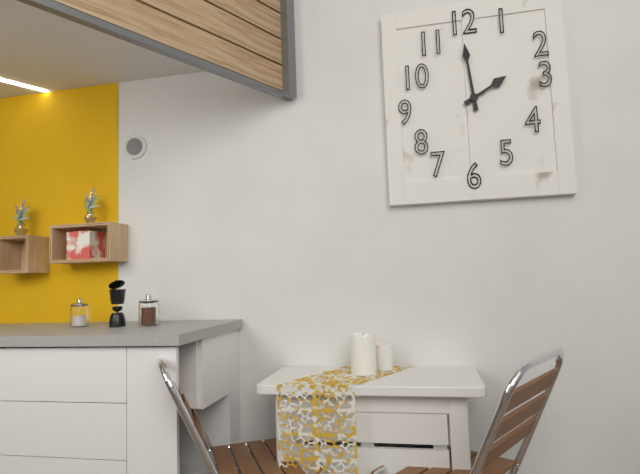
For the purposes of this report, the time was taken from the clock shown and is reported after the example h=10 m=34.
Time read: h=1 m=59
